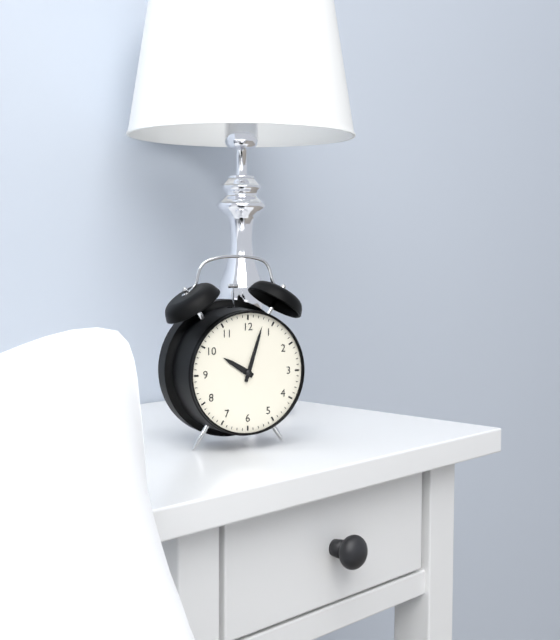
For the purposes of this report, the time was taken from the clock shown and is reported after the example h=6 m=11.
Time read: h=10 m=3
